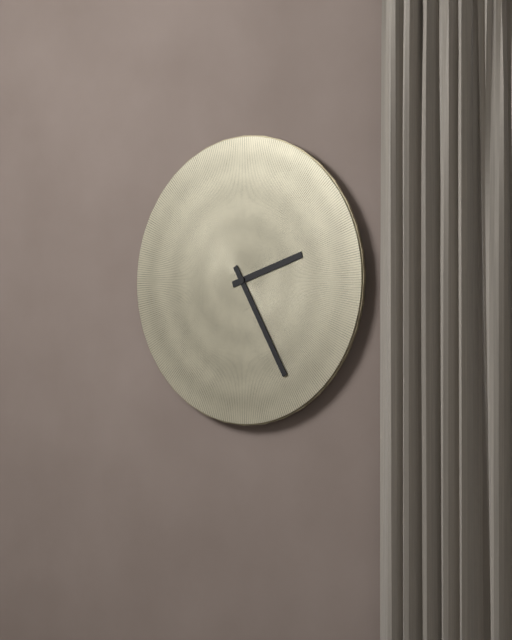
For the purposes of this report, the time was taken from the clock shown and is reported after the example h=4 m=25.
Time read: h=2 m=25
